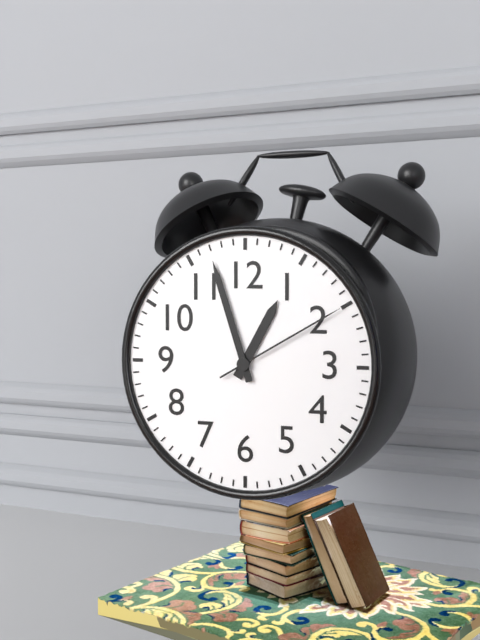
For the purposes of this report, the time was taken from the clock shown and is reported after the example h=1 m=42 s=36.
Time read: h=12 m=57 s=10
